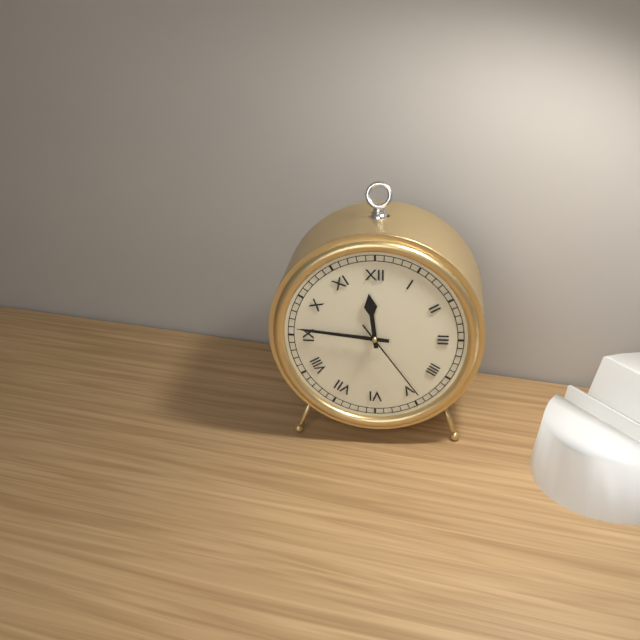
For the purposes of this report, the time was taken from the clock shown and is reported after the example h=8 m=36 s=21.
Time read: h=11 m=46 s=24
